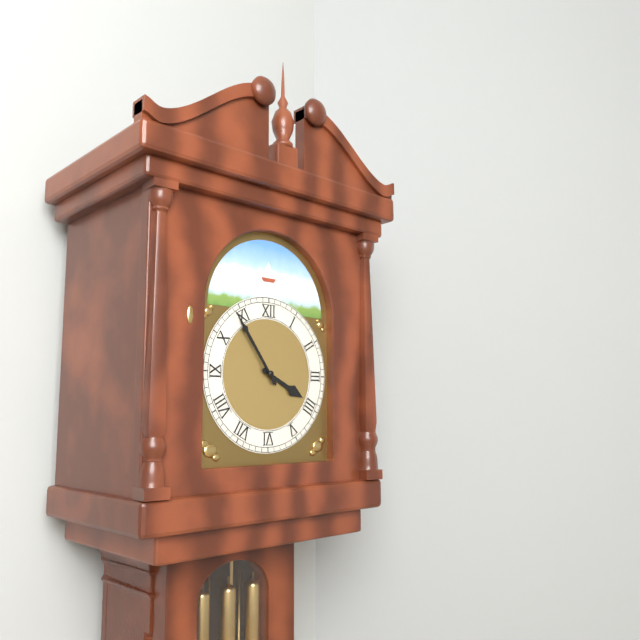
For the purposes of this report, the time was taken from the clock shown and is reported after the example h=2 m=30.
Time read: h=3 m=54
